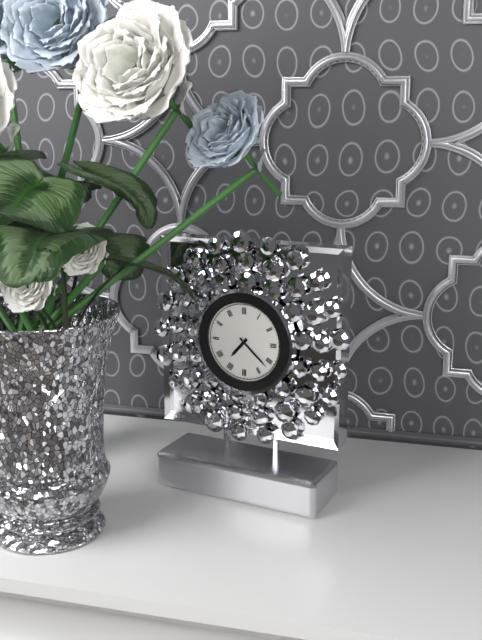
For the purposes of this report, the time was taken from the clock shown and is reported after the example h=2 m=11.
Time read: h=7 m=22
